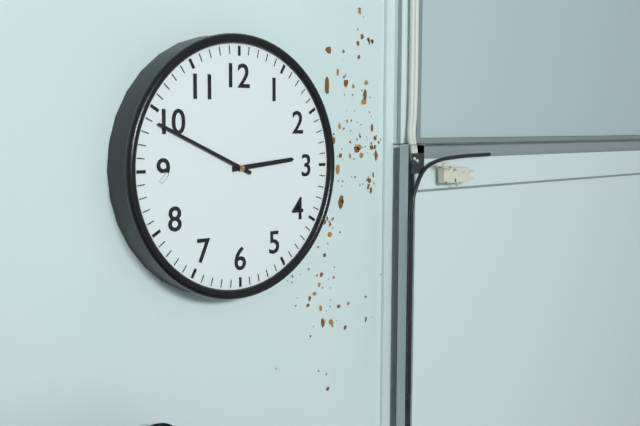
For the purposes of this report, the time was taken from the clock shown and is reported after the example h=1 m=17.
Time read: h=2 m=49
